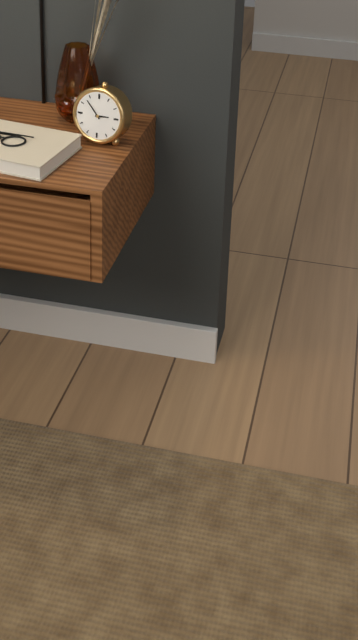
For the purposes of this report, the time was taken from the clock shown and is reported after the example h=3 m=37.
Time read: h=2 m=53
